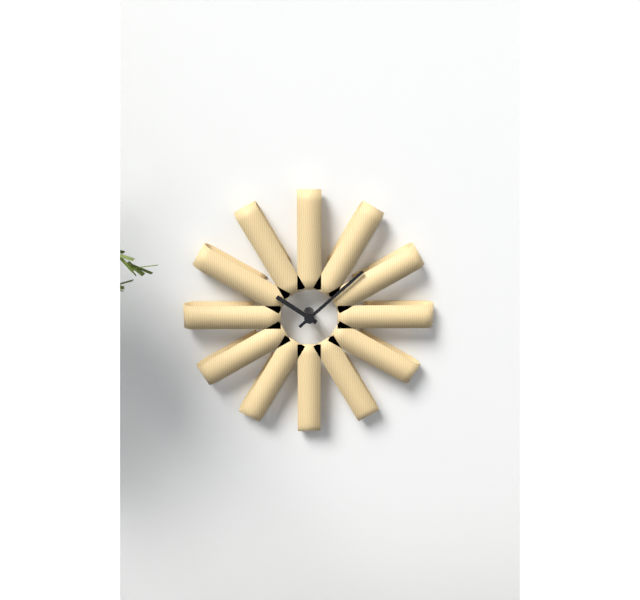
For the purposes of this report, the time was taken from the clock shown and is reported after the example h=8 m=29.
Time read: h=10 m=8
